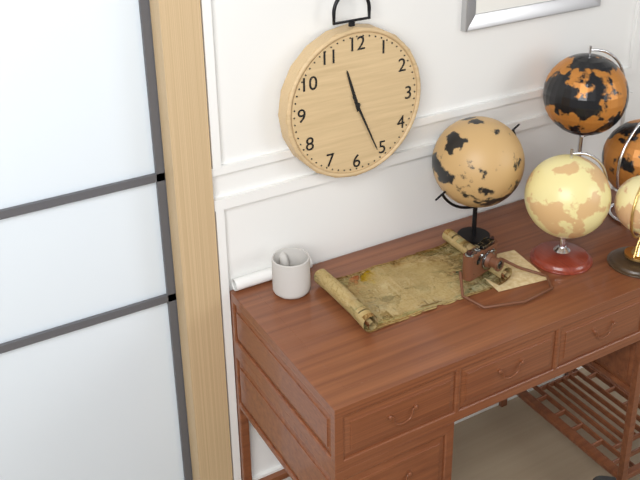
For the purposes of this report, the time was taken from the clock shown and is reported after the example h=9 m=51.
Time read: h=11 m=26
